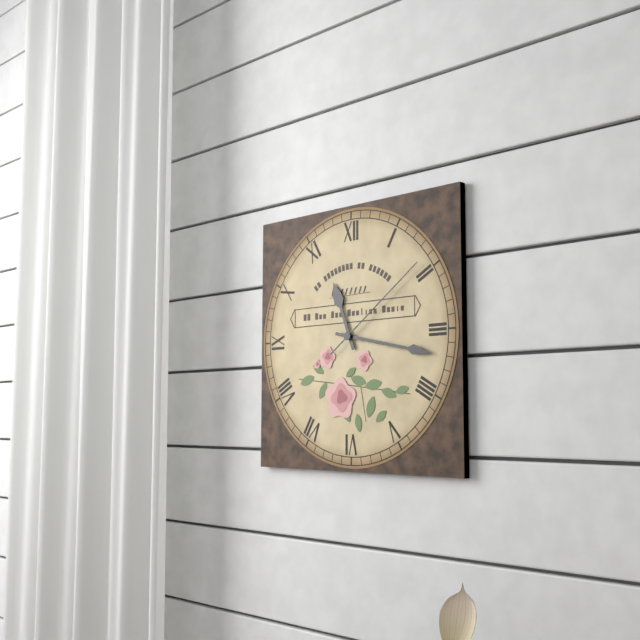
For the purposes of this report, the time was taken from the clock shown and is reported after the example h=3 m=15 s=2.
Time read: h=11 m=17 s=9
